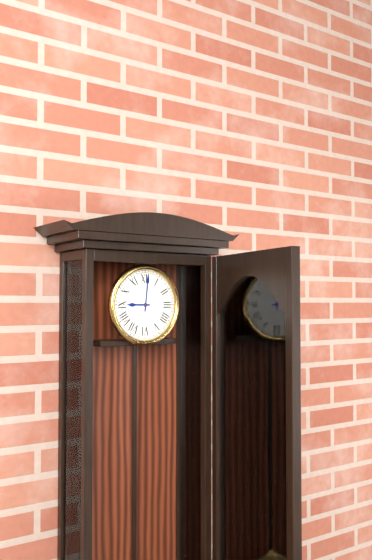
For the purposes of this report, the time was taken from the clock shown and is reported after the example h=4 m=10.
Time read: h=9 m=1
